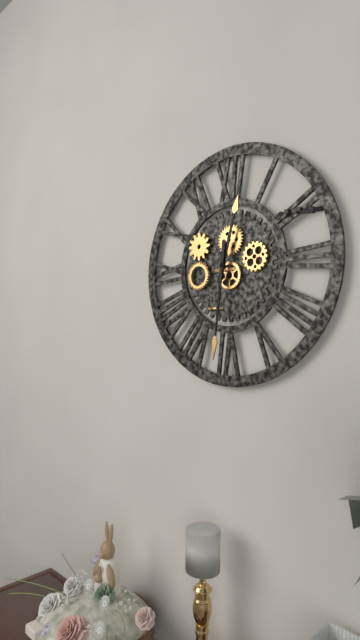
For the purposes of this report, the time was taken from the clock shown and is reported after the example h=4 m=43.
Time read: h=12 m=31
